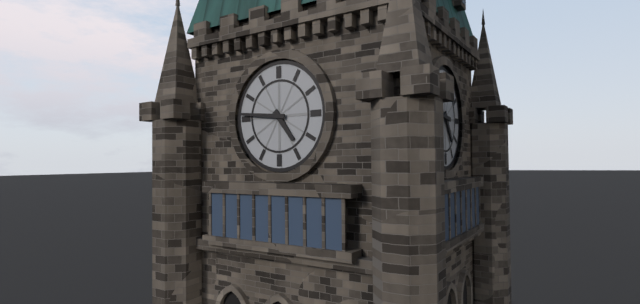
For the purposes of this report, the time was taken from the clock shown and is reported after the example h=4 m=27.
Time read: h=4 m=46
